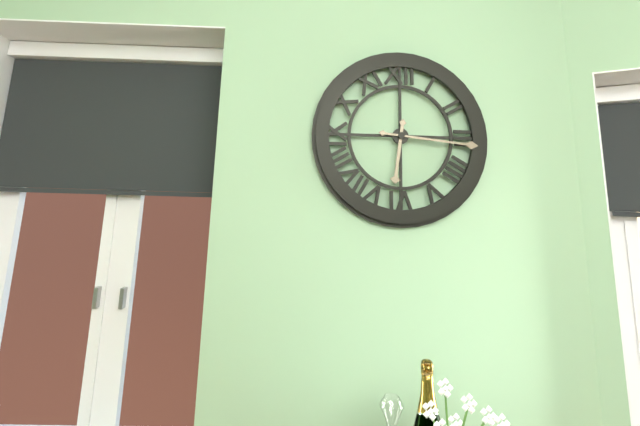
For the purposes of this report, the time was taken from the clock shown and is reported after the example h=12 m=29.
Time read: h=6 m=16
